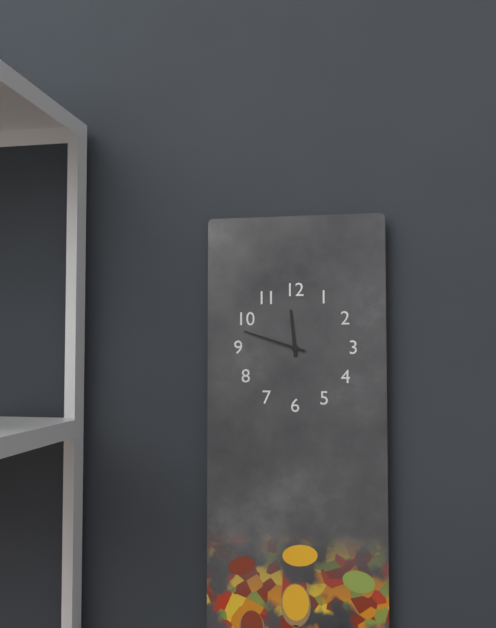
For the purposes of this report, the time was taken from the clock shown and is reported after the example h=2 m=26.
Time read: h=11 m=48
